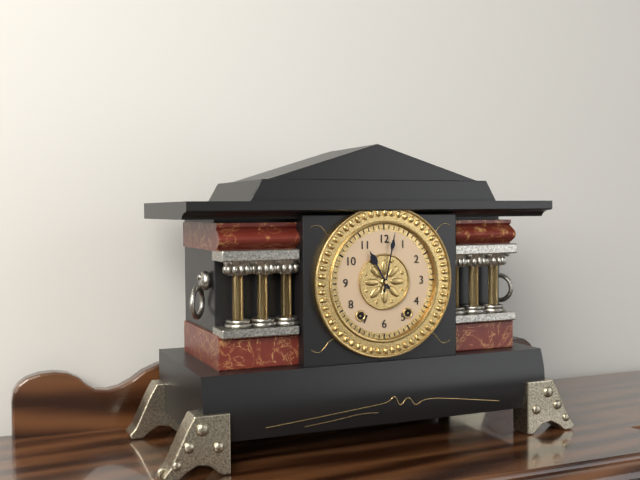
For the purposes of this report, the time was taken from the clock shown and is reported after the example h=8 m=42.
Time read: h=11 m=2
